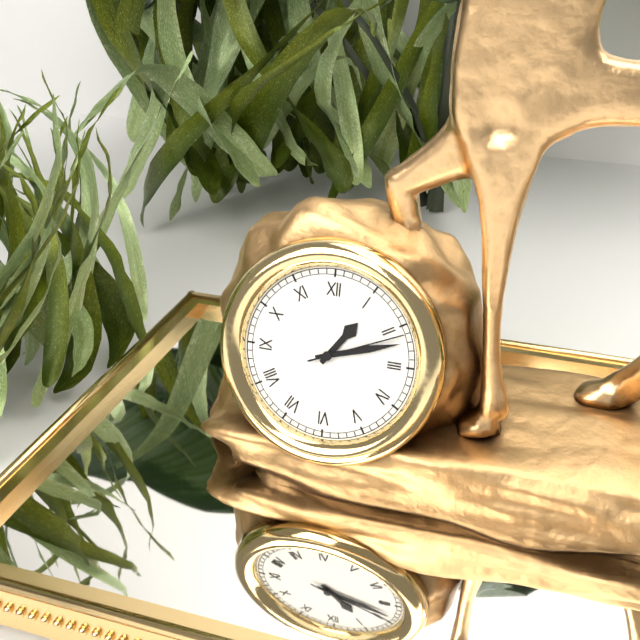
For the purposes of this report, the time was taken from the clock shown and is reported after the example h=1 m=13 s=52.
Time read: h=1 m=12 s=11
